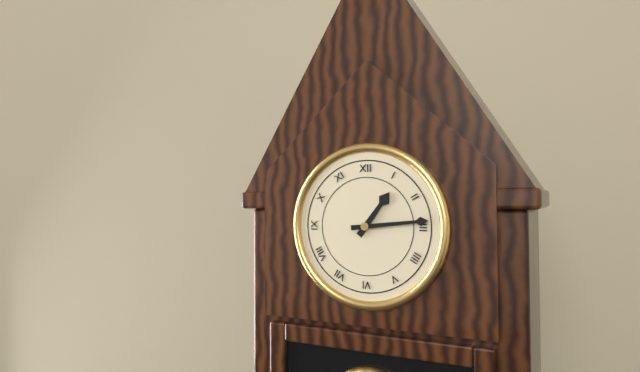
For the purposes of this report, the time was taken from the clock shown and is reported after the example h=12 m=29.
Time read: h=1 m=14
